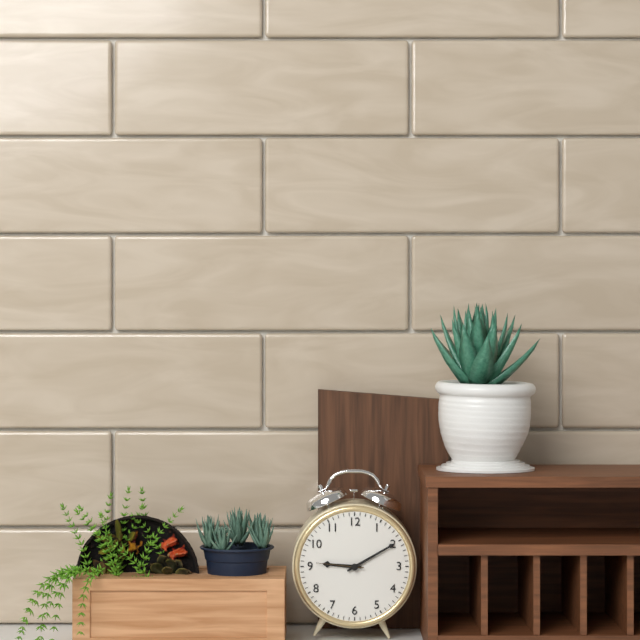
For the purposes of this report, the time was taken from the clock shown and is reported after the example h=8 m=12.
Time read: h=9 m=10
